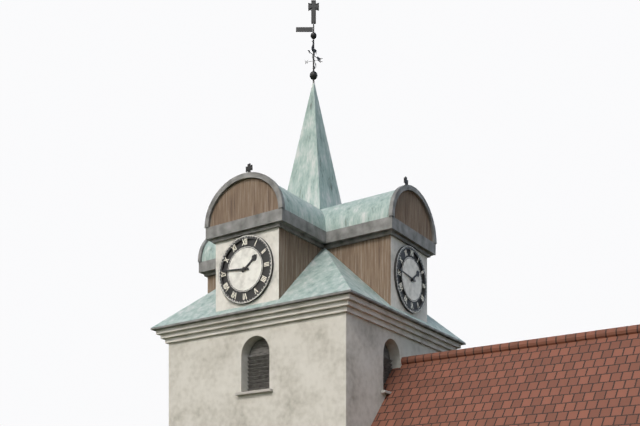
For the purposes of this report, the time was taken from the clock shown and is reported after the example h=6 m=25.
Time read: h=1 m=46
